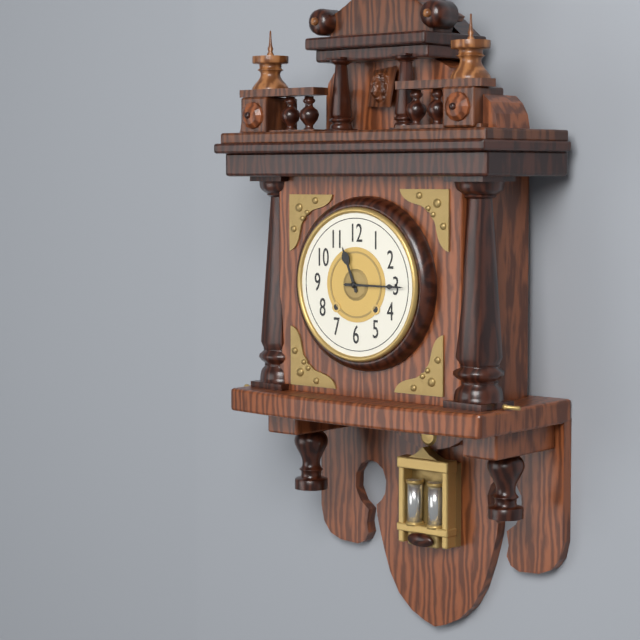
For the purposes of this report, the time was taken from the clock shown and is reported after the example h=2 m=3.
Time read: h=11 m=15
